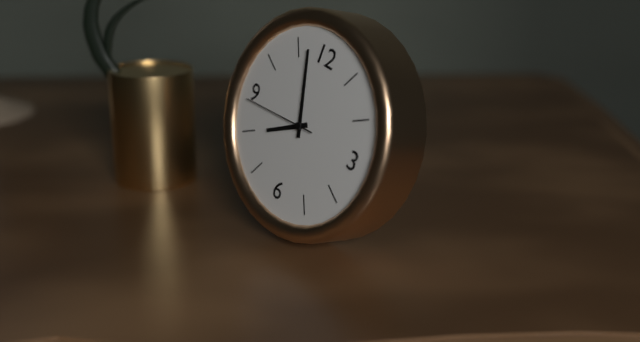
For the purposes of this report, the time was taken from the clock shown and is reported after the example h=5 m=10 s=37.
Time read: h=7 m=57 s=44
